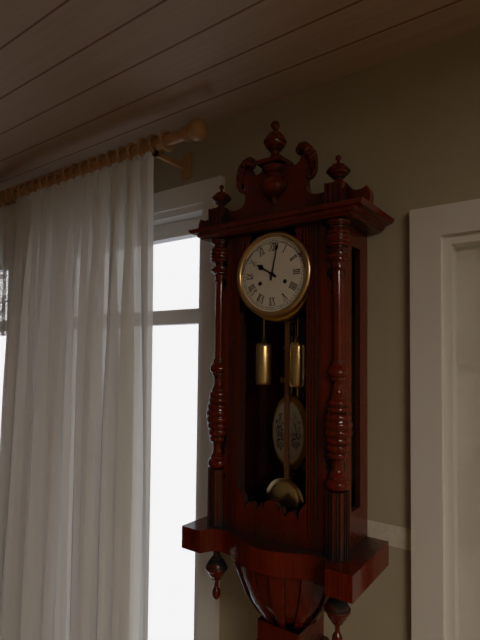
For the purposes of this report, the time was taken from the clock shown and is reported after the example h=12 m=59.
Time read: h=10 m=2
